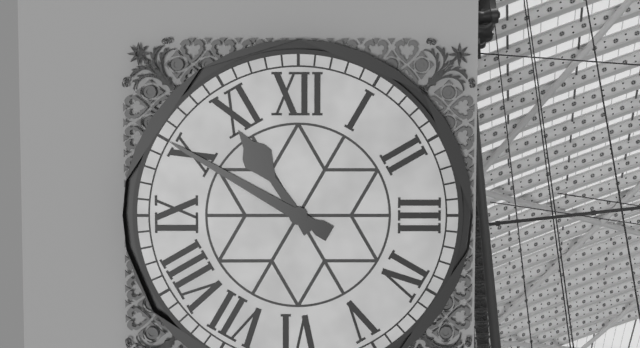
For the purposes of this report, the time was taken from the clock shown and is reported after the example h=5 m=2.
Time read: h=10 m=50
